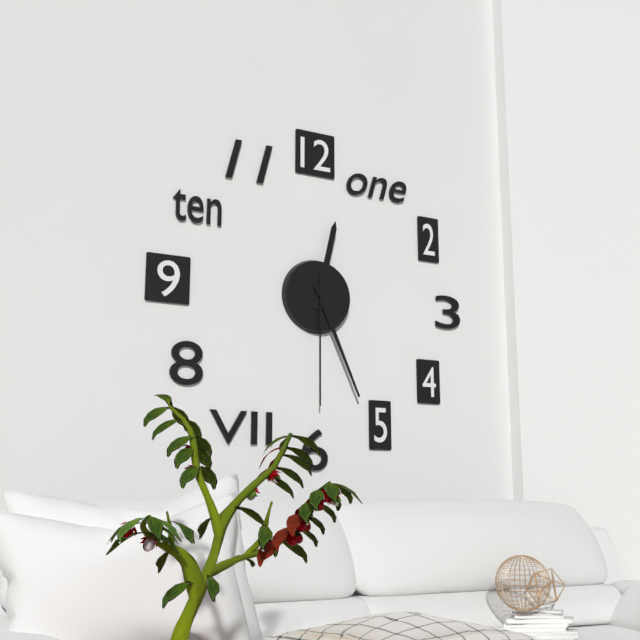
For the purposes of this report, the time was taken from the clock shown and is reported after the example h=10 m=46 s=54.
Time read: h=12 m=26 s=30
